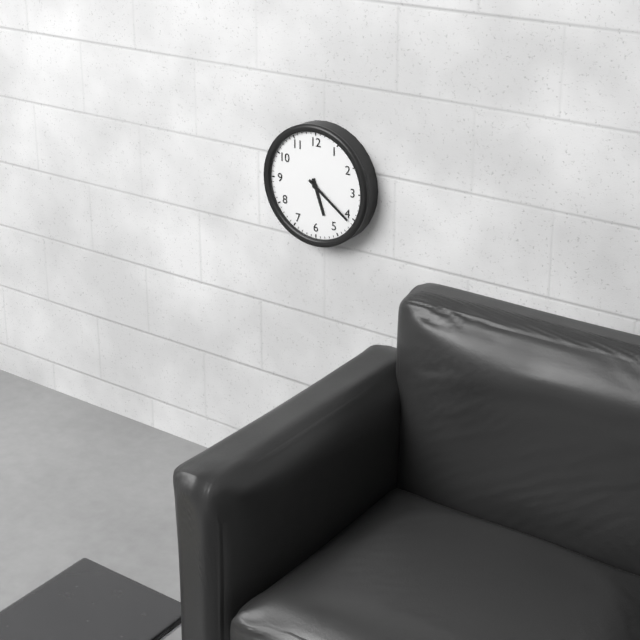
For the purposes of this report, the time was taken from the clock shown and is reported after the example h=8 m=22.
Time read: h=5 m=21
